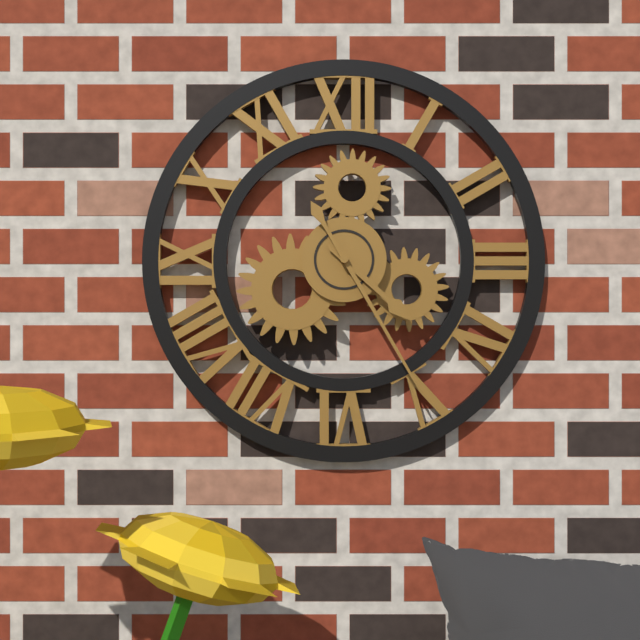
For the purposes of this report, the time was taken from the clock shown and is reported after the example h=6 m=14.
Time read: h=4 m=25
